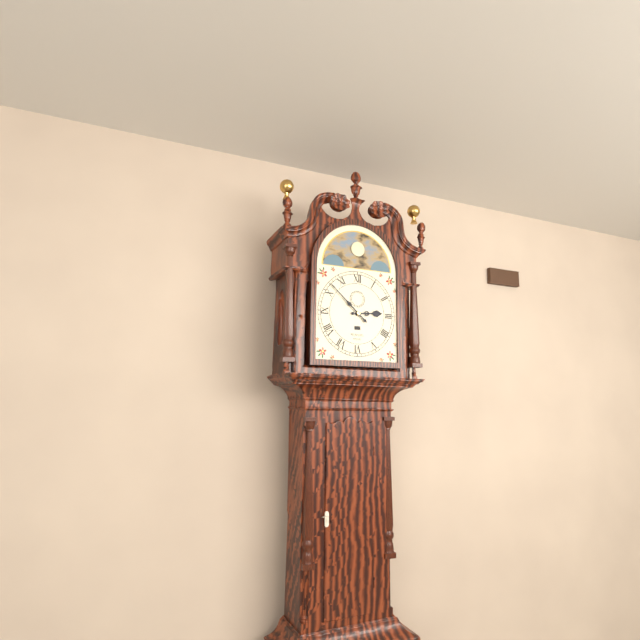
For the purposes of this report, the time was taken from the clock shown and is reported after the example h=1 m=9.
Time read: h=2 m=52
